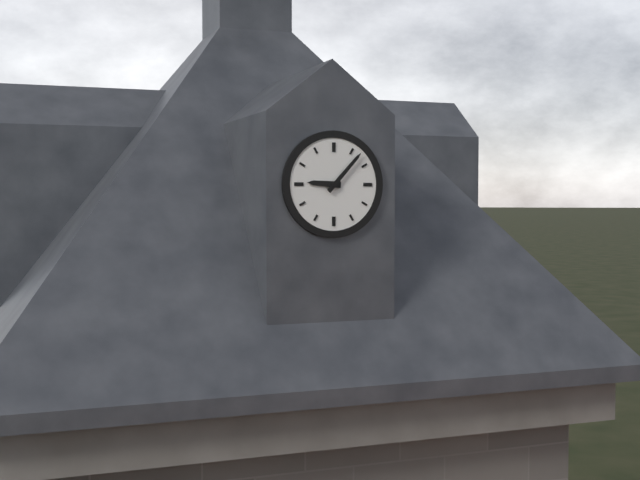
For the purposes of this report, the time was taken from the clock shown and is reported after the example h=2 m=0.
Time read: h=9 m=7
